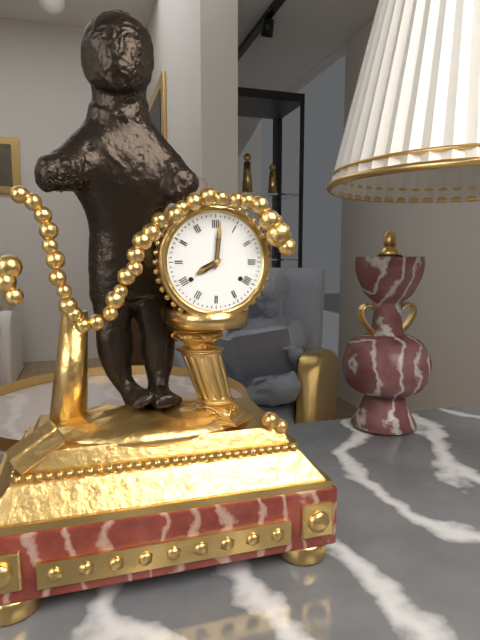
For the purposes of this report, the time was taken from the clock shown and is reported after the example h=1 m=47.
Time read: h=8 m=1
